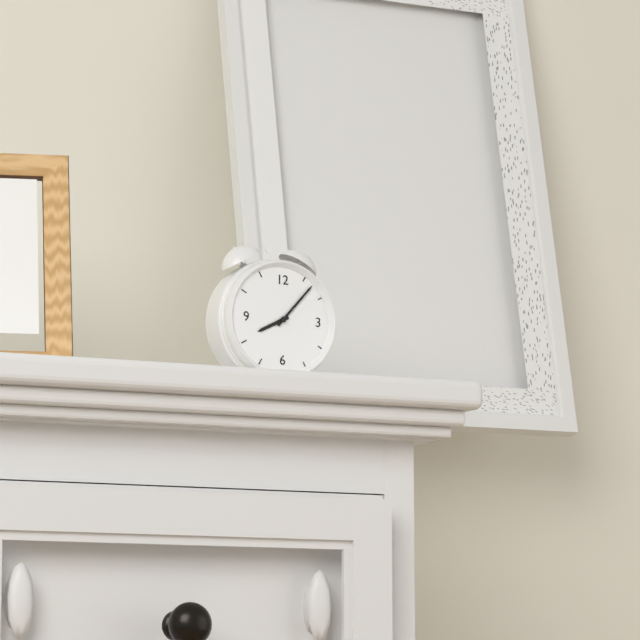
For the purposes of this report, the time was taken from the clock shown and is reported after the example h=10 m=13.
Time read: h=8 m=7
